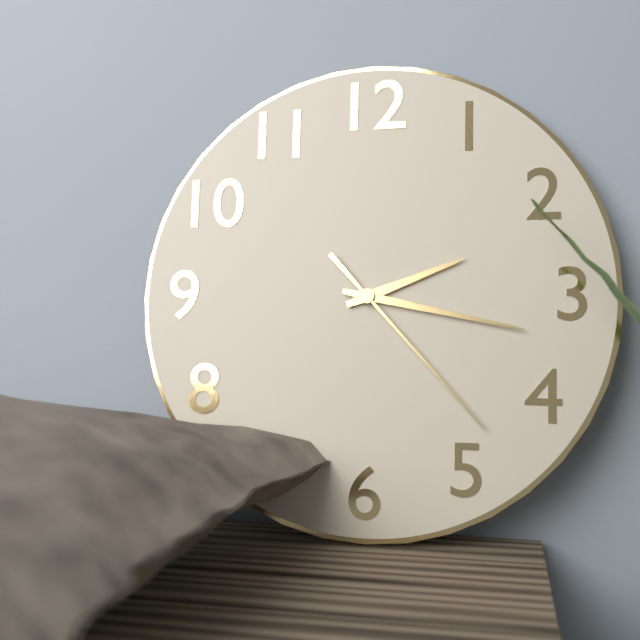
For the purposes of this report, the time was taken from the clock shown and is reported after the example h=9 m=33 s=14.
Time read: h=2 m=17 s=23
